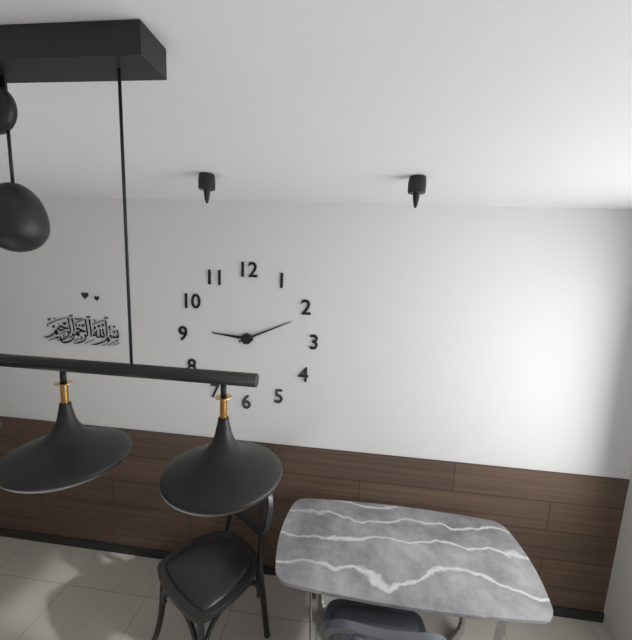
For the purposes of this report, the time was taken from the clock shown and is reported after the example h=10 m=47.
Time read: h=9 m=11
